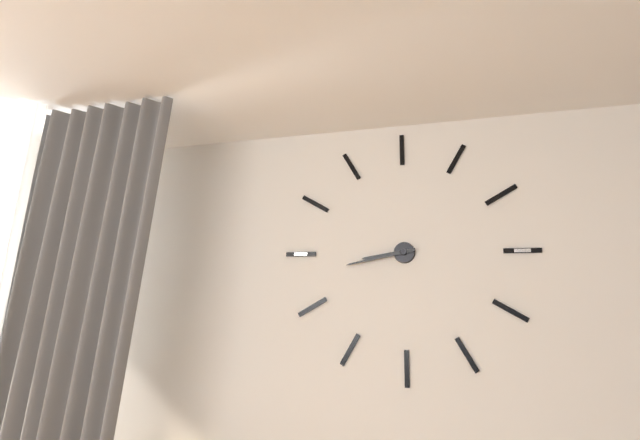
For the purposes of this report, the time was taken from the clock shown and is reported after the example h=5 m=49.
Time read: h=8 m=43
